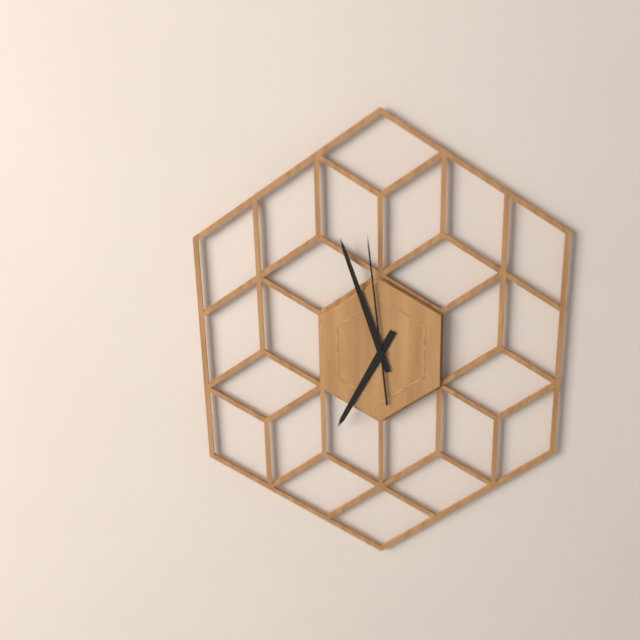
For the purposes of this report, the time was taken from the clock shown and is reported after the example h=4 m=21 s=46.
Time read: h=6 m=57 s=59
